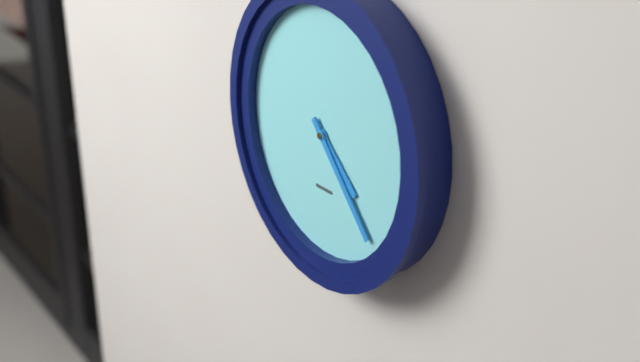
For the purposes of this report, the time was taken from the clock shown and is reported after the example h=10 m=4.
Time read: h=4 m=23
